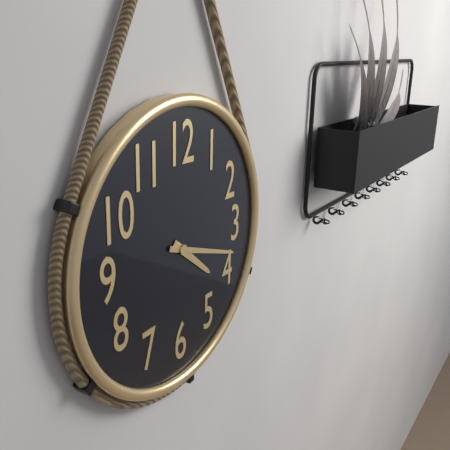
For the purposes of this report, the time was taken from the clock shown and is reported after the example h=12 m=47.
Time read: h=4 m=18
